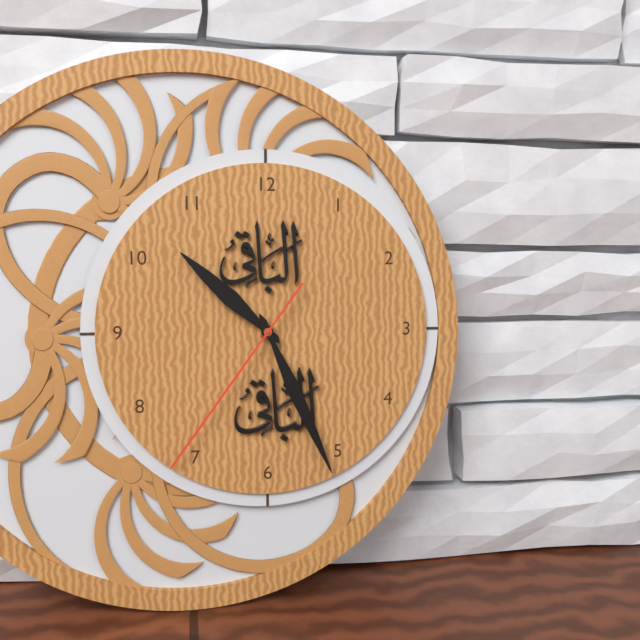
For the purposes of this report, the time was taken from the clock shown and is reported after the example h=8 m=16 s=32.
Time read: h=10 m=26 s=36
